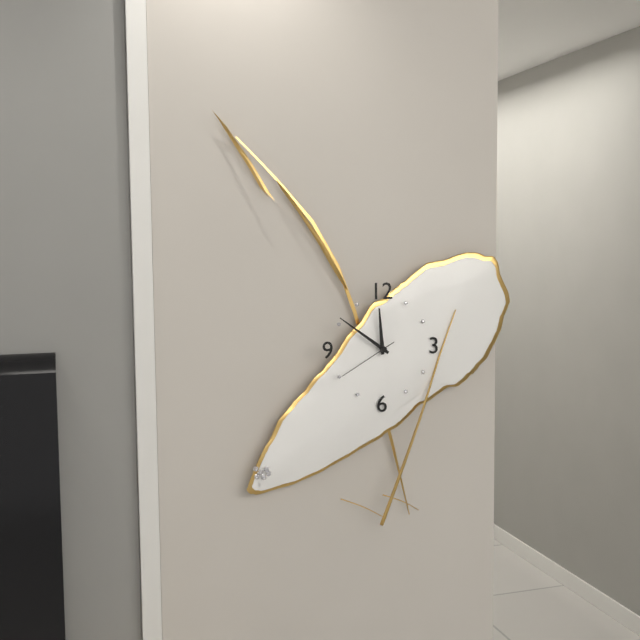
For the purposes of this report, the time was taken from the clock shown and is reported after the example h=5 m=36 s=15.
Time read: h=11 m=51 s=40
